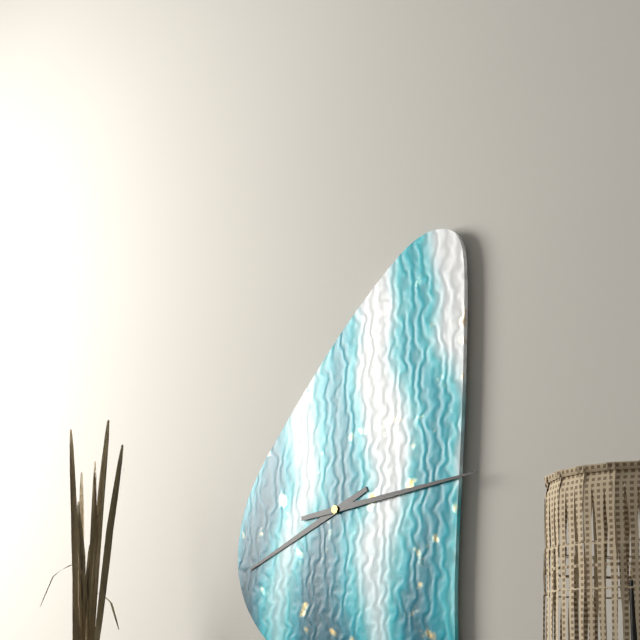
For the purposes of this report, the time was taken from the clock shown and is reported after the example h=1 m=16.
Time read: h=8 m=14
